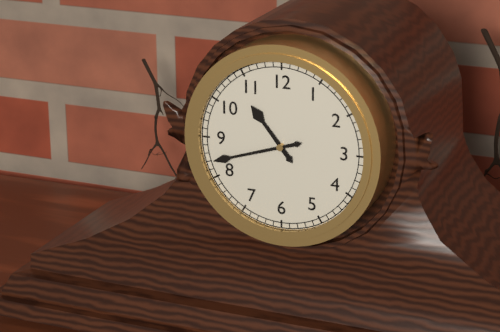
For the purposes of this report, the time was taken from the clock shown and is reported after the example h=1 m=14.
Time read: h=10 m=42
